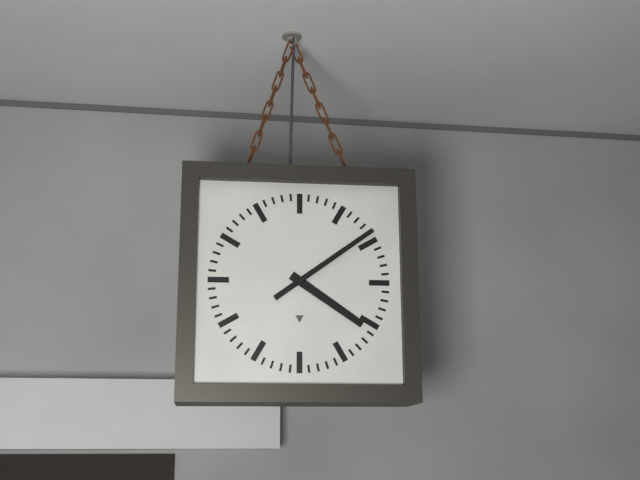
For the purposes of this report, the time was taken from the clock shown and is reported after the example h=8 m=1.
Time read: h=4 m=9
